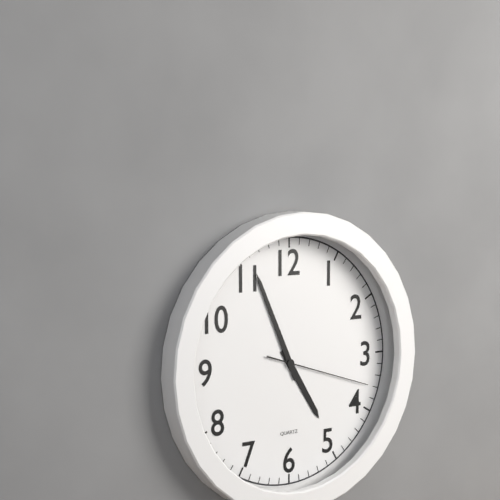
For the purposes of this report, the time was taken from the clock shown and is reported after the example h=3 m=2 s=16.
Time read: h=4 m=56 s=18
